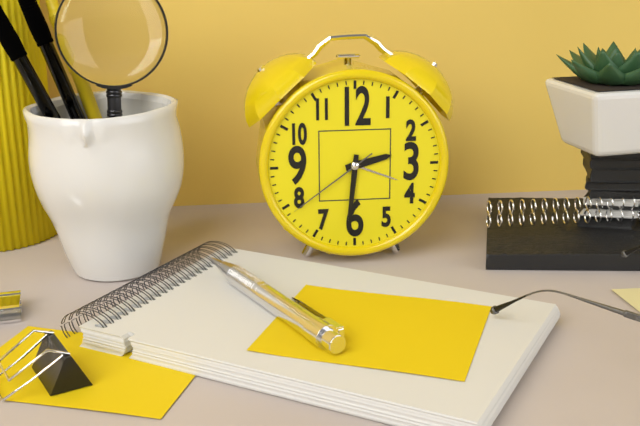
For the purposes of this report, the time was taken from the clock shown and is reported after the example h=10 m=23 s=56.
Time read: h=2 m=31 s=39
